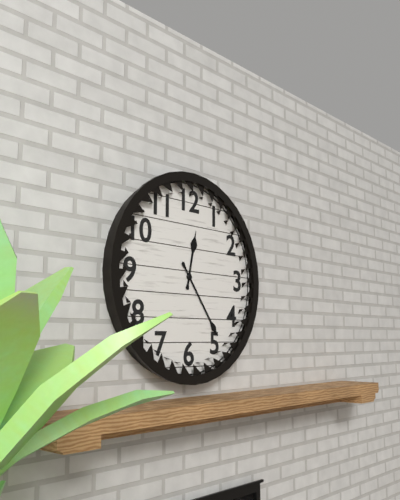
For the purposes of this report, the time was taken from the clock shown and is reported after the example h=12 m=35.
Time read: h=12 m=24
